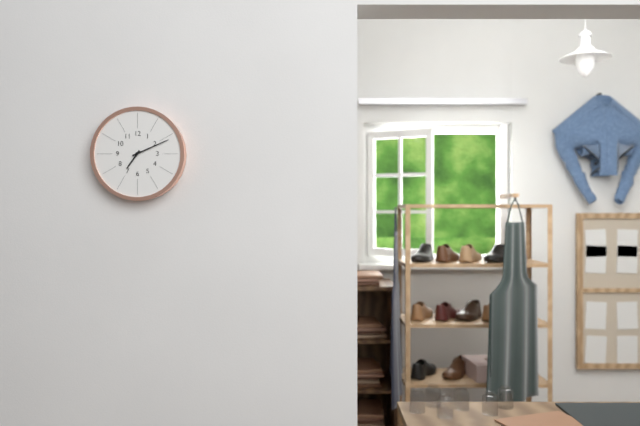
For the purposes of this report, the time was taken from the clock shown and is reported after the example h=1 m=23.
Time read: h=7 m=11
